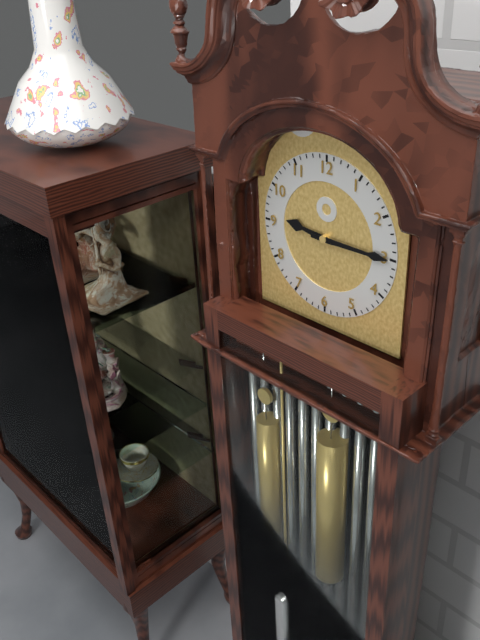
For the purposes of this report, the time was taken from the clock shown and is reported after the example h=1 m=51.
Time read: h=9 m=15
